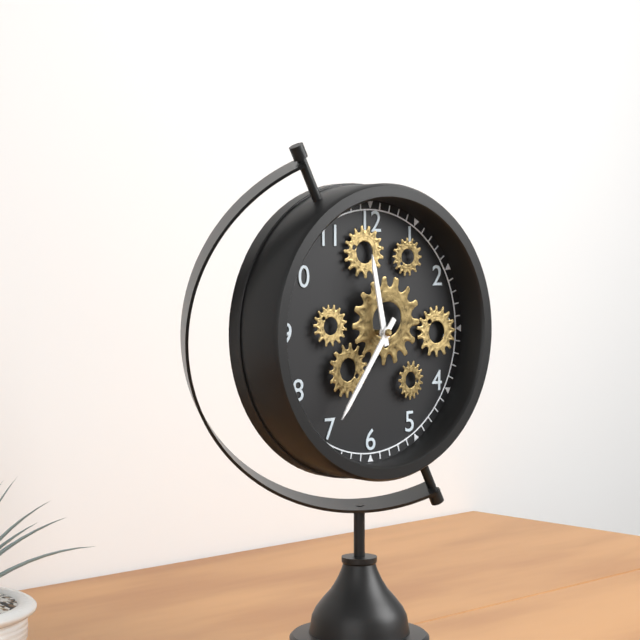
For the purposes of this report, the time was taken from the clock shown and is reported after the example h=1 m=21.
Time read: h=11 m=36
